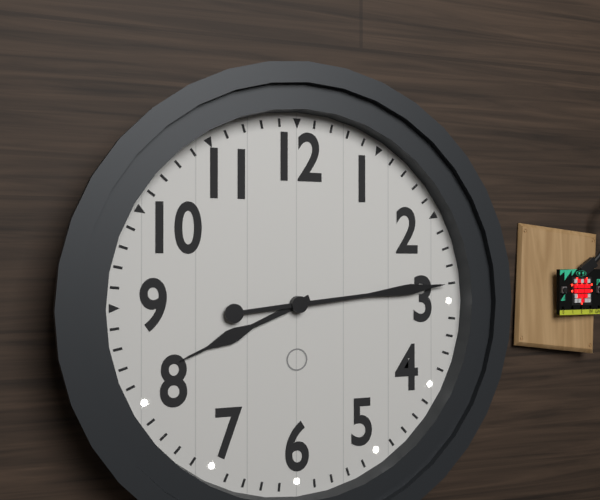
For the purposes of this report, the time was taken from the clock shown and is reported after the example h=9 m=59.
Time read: h=8 m=14
